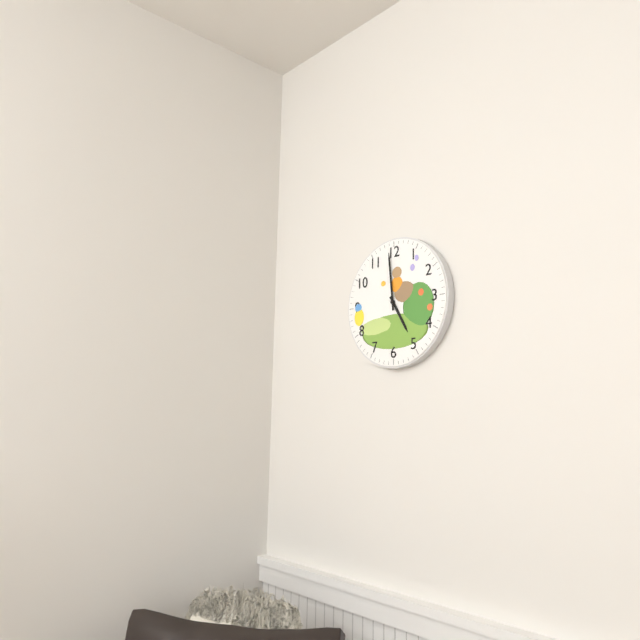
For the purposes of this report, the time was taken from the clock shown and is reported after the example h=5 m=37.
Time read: h=4 m=59
